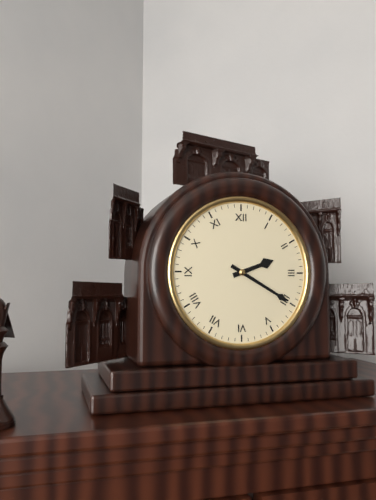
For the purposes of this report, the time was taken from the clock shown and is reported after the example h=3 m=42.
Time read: h=2 m=20
